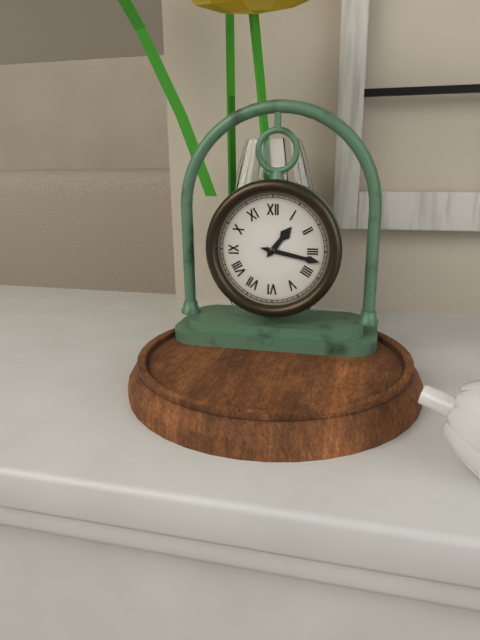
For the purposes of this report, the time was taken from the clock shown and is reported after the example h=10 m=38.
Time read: h=1 m=17
